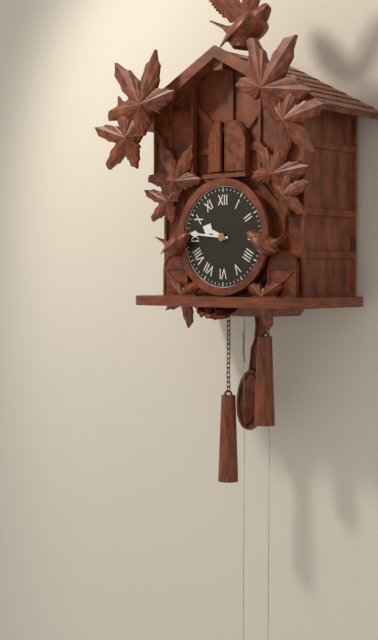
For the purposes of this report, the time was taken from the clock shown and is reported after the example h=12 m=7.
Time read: h=9 m=46
